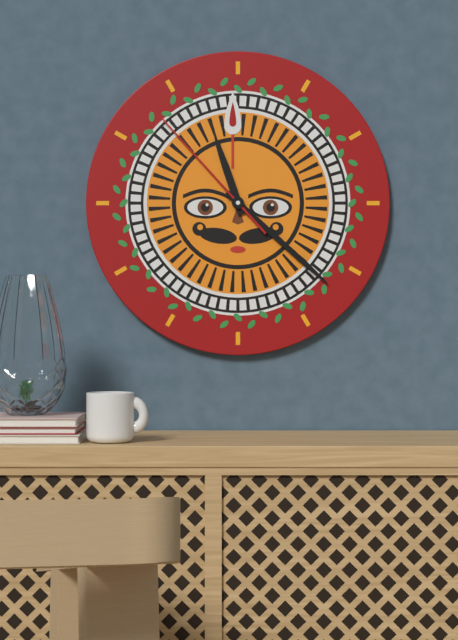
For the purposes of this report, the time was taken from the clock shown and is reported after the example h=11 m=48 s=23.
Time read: h=11 m=22 s=53
